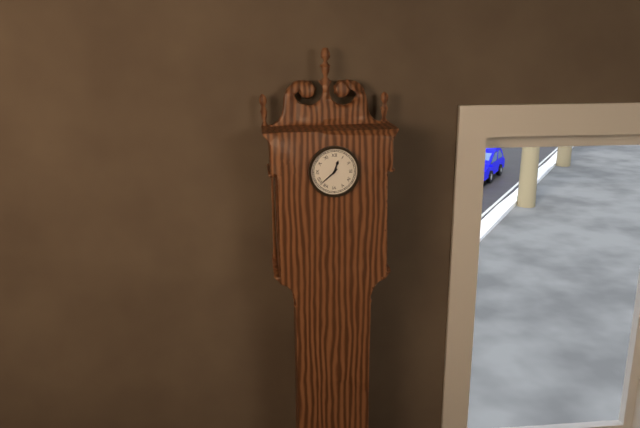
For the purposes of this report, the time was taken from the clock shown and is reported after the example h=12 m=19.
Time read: h=12 m=38
